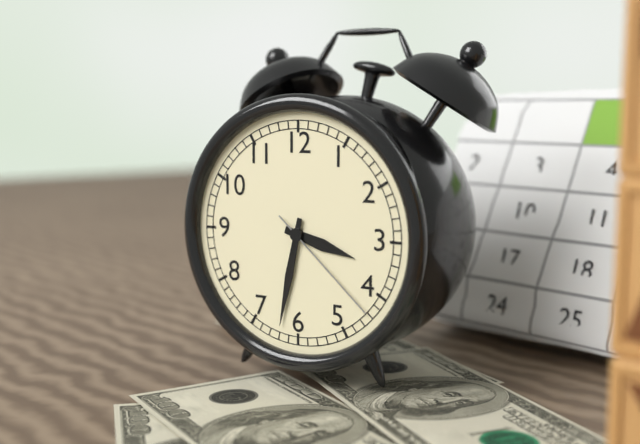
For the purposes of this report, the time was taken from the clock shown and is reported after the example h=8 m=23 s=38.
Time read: h=3 m=32 s=22
